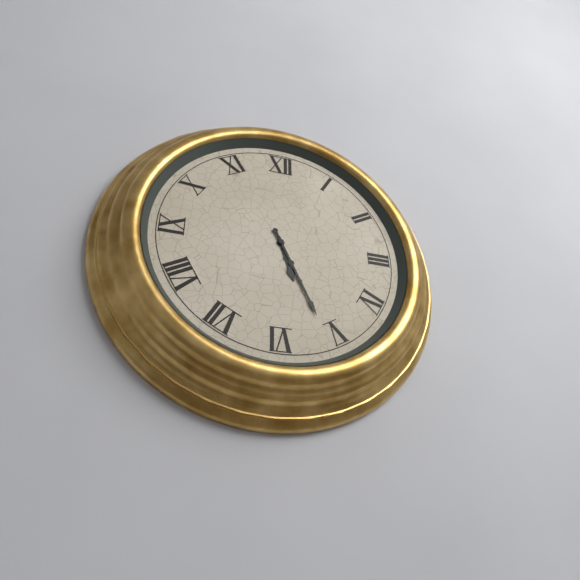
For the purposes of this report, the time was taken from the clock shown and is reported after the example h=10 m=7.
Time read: h=5 m=26
